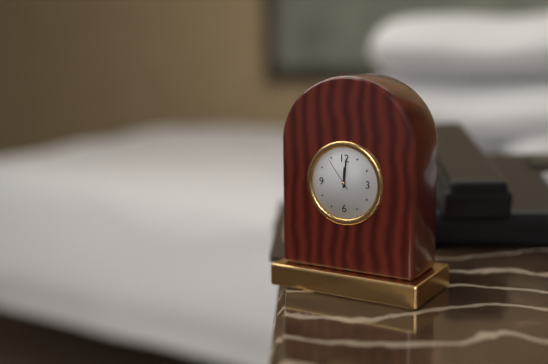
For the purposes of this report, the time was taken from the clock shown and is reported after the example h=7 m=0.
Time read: h=12 m=1
